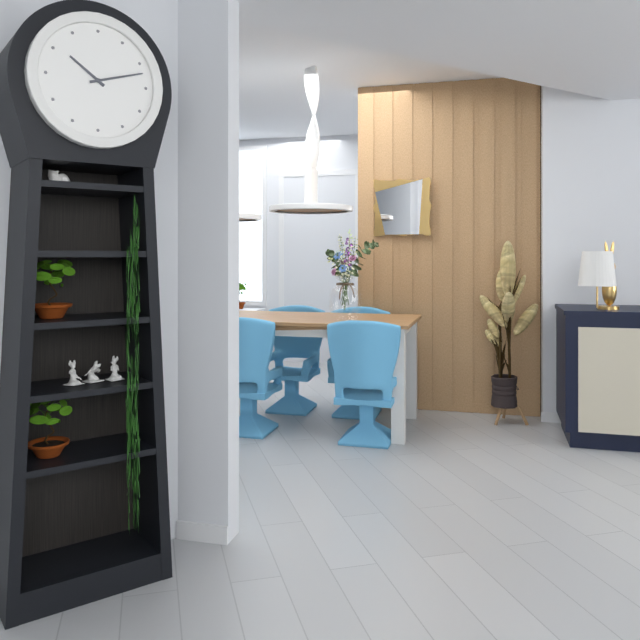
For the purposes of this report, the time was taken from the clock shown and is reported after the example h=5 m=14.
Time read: h=10 m=12
